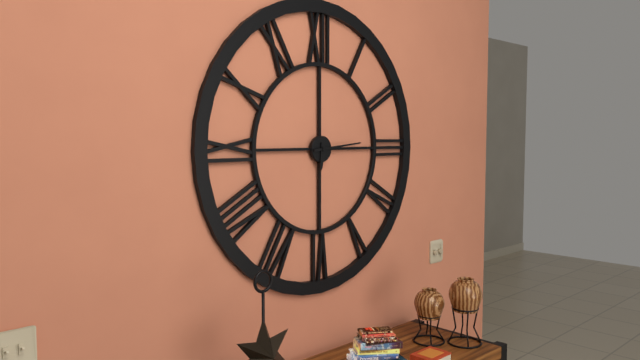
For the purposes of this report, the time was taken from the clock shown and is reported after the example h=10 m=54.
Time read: h=6 m=14
